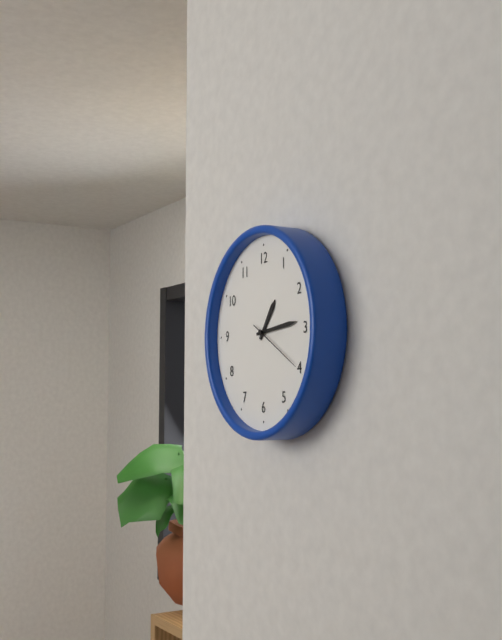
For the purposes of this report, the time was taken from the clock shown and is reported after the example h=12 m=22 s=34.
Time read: h=1 m=14 s=20
